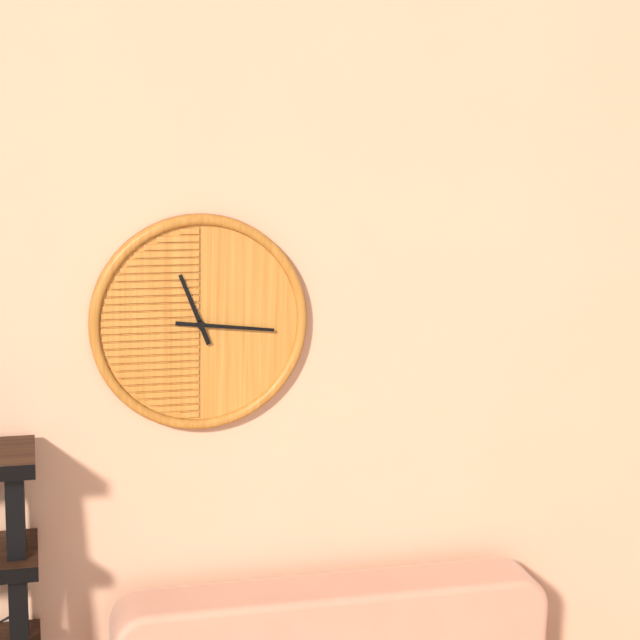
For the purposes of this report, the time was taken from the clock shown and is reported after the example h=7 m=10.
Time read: h=11 m=16
